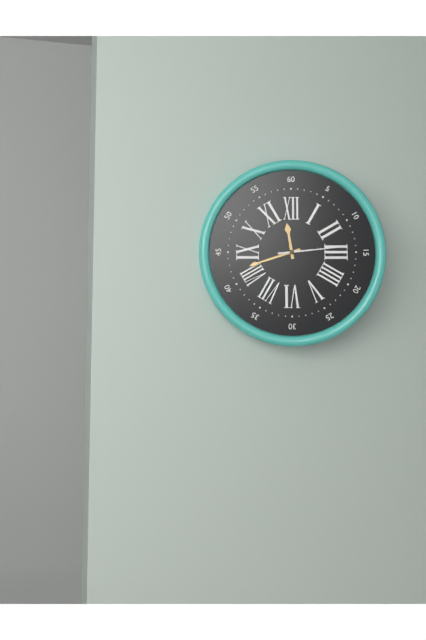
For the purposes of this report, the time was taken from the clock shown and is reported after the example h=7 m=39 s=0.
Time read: h=11 m=42 s=14
